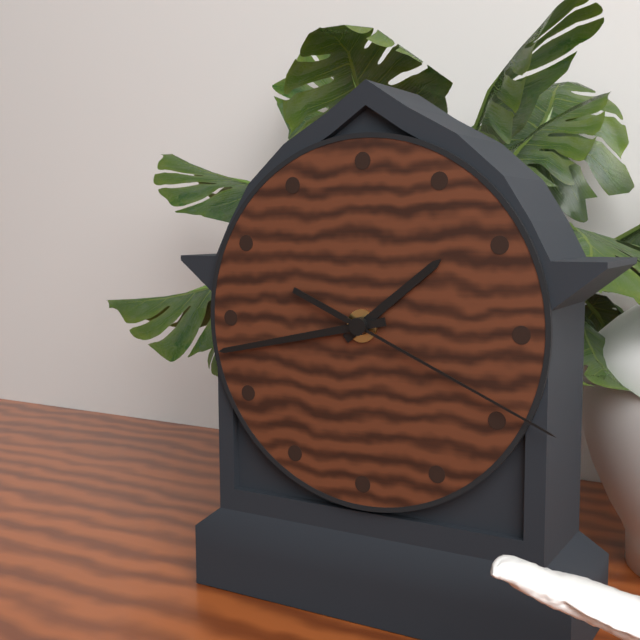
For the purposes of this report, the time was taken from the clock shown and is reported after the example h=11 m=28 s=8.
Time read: h=1 m=43 s=19
